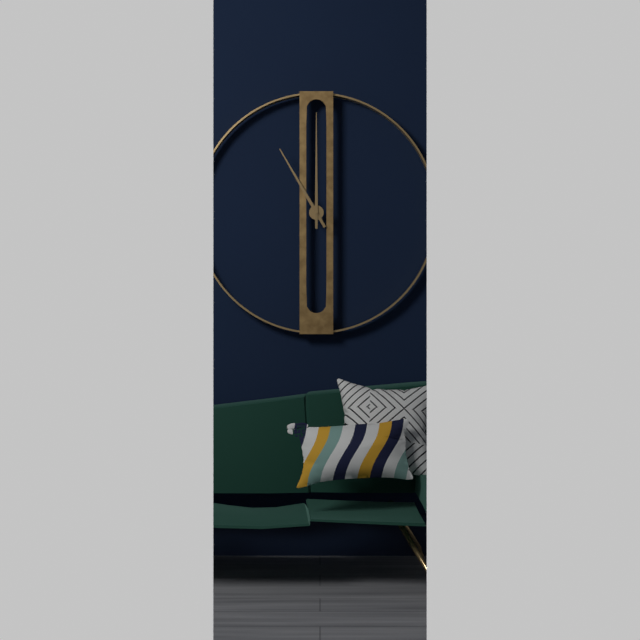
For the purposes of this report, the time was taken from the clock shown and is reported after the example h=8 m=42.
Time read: h=11 m=0
